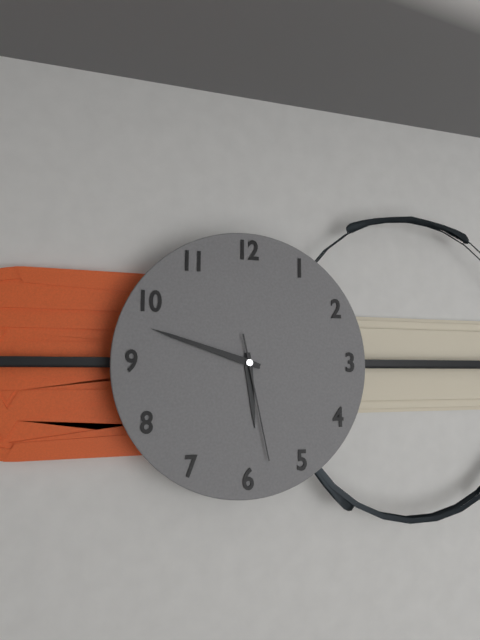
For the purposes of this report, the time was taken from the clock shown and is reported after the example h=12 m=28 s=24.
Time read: h=5 m=48 s=28
